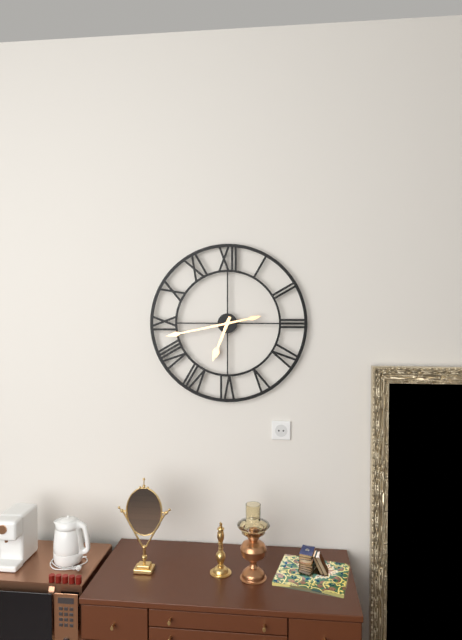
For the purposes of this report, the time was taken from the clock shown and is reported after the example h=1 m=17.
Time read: h=6 m=43
